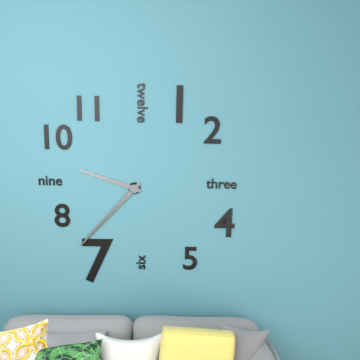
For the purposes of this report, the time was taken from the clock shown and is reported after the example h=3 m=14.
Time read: h=9 m=37
